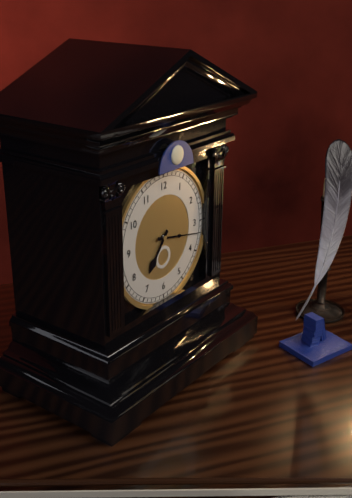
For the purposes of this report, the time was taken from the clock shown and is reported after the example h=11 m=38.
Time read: h=7 m=17
